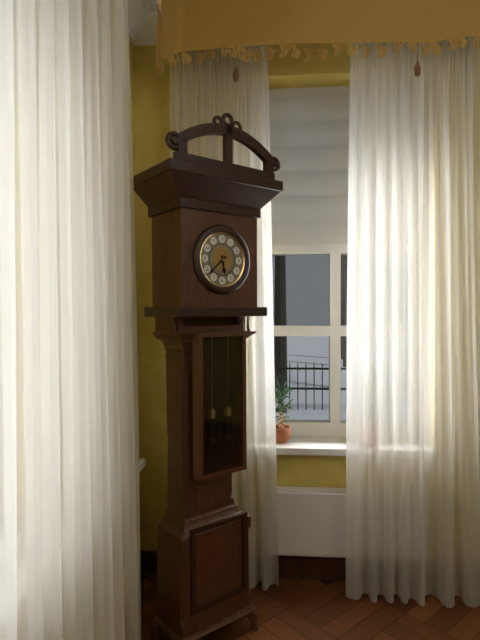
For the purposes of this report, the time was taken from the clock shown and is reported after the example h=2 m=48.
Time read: h=5 m=38
